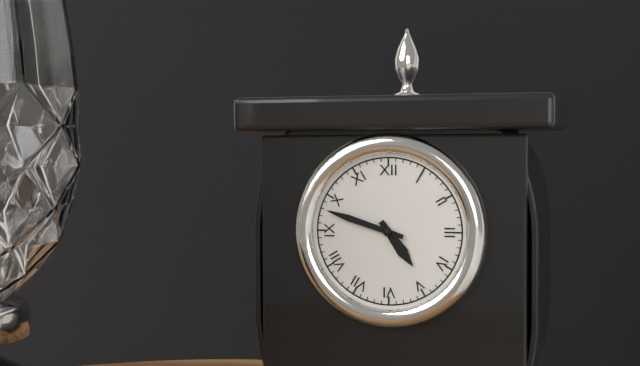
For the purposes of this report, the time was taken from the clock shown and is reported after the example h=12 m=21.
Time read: h=4 m=48
